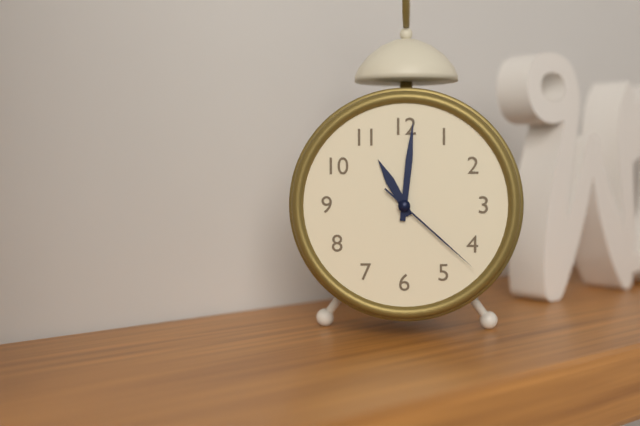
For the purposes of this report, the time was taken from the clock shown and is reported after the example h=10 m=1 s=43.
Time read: h=11 m=1 s=22
